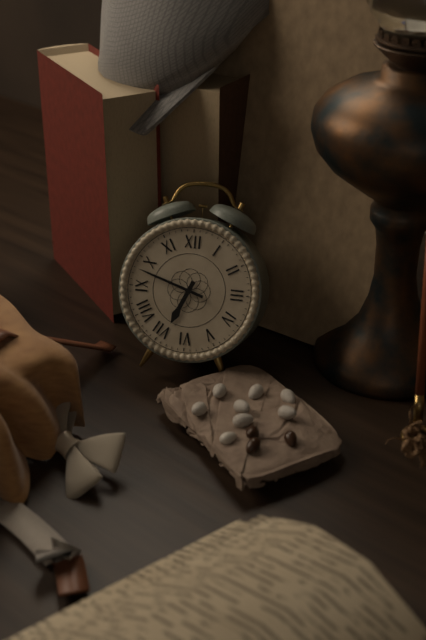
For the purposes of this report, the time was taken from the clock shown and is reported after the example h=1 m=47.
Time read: h=6 m=48
